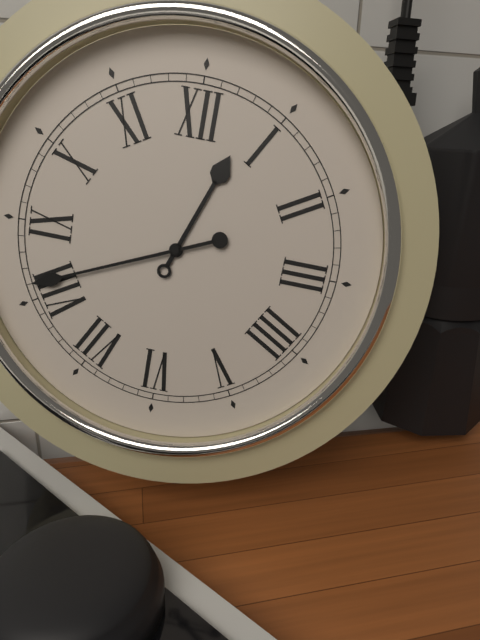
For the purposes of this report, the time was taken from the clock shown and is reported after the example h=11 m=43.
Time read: h=12 m=41
